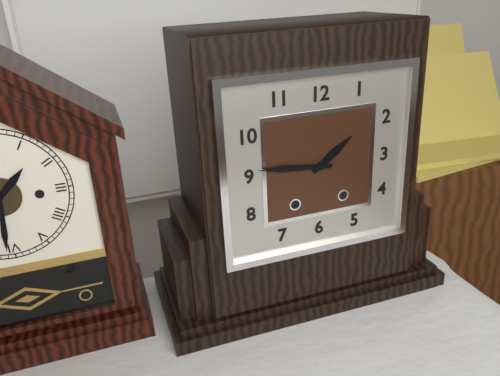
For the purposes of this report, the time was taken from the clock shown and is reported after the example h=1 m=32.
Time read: h=1 m=46
